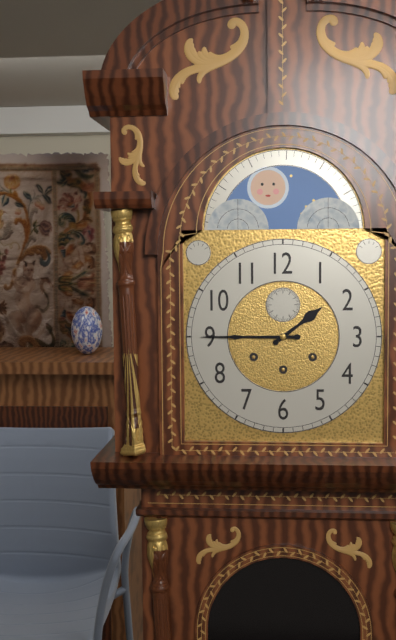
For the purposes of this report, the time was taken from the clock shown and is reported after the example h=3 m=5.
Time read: h=1 m=45
